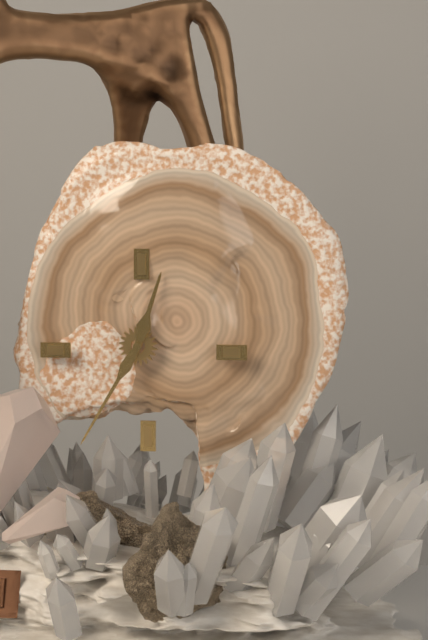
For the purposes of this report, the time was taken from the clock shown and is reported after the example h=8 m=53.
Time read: h=12 m=35
